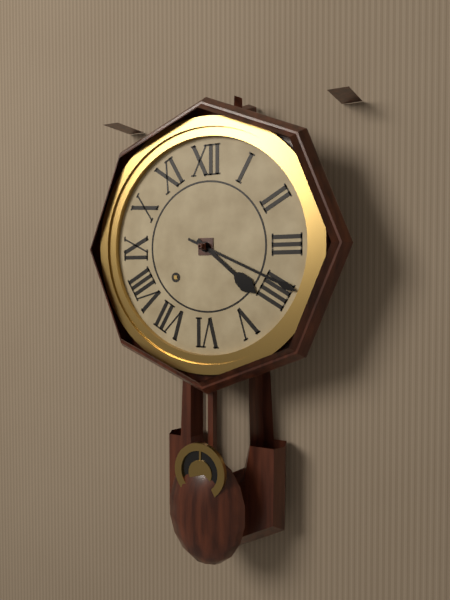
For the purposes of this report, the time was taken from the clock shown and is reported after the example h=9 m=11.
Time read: h=4 m=19
